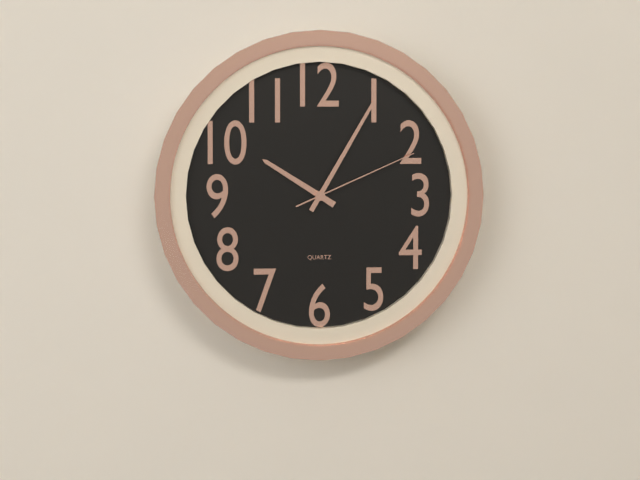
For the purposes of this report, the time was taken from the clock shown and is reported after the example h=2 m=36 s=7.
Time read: h=10 m=5 s=11
